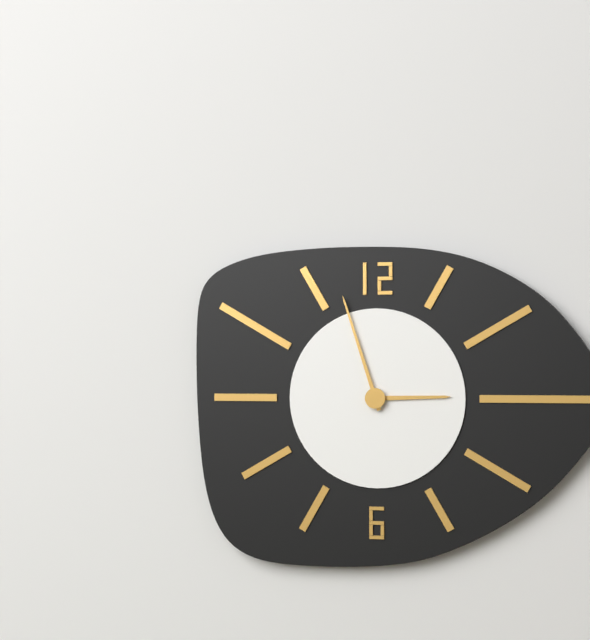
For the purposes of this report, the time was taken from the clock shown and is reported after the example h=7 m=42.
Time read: h=2 m=57
